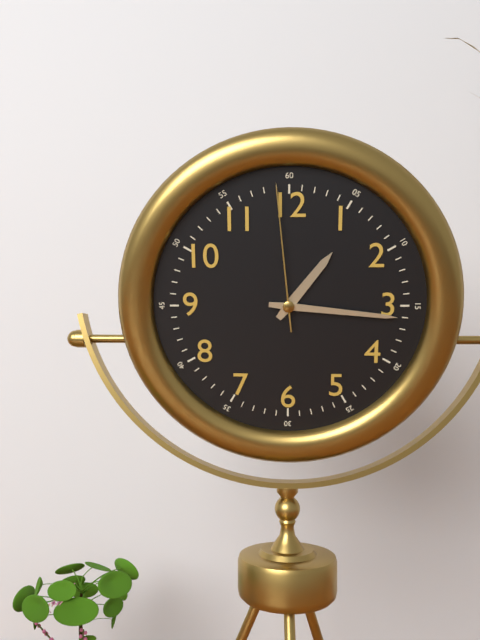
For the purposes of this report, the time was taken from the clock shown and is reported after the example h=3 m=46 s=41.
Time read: h=1 m=16 s=59
